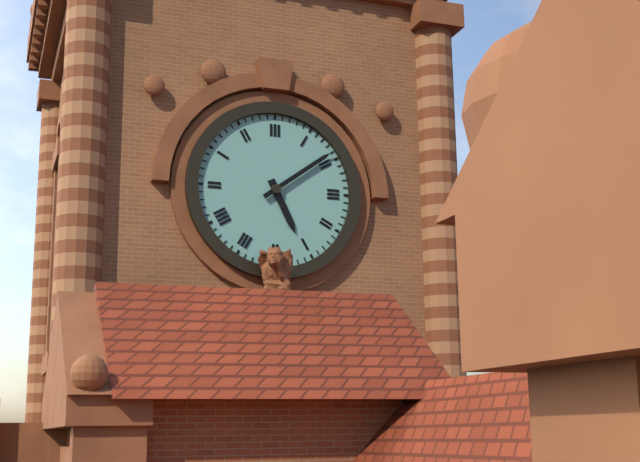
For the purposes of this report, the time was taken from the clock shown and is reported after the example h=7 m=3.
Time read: h=5 m=9
